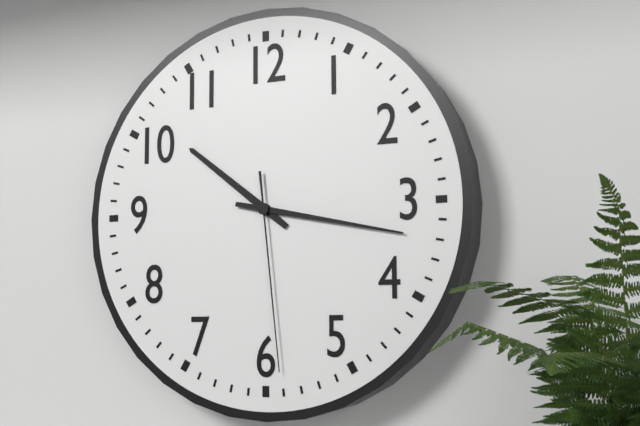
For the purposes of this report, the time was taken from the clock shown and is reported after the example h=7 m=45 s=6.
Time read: h=10 m=17 s=29
